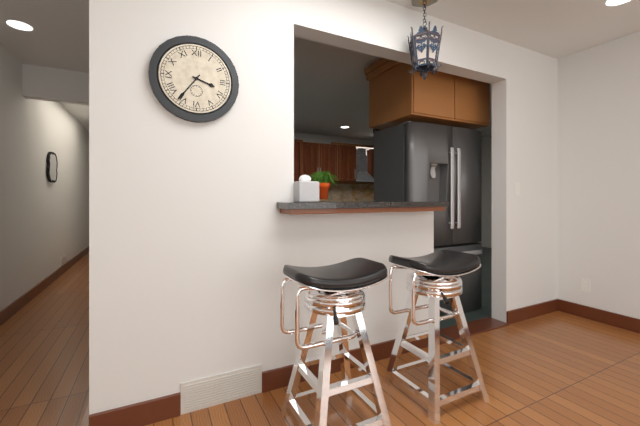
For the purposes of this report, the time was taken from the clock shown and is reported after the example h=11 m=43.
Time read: h=3 m=36
